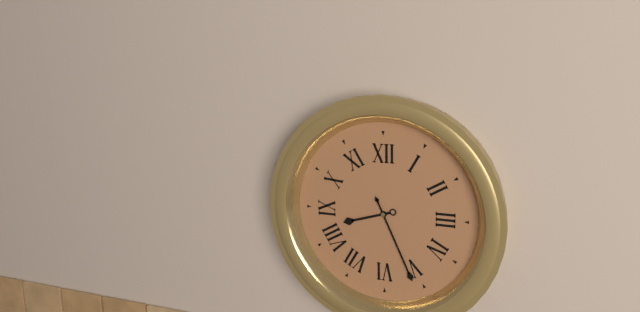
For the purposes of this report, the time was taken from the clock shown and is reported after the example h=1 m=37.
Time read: h=8 m=26
